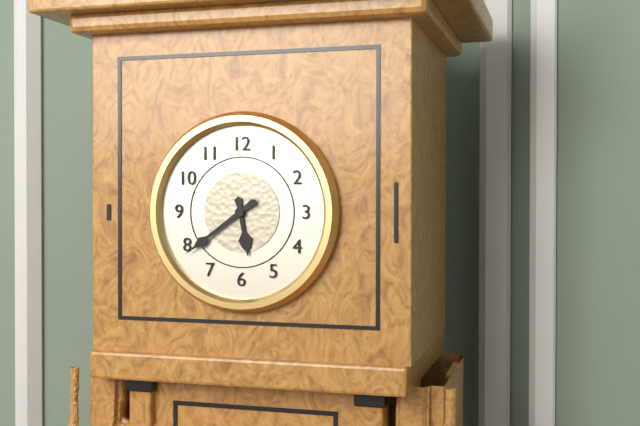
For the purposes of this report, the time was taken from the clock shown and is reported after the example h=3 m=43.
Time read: h=5 m=39
